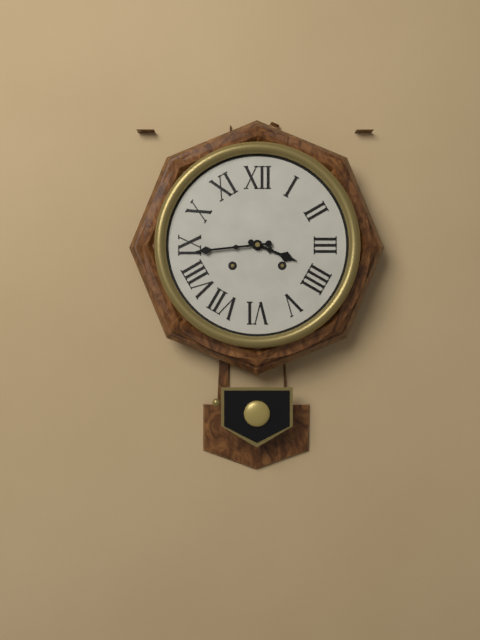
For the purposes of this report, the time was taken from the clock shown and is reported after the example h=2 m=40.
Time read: h=3 m=44
